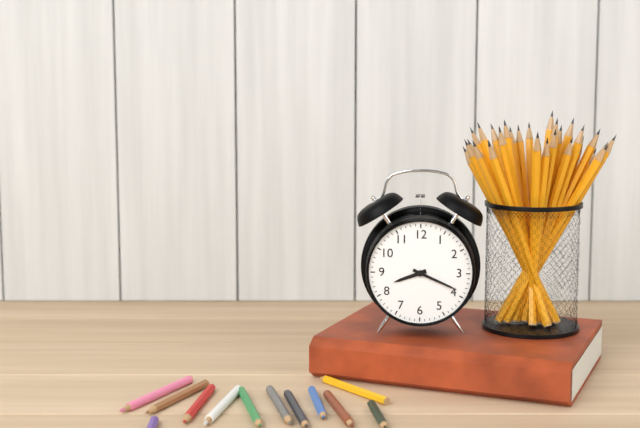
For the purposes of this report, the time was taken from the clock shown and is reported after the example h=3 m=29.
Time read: h=8 m=19
